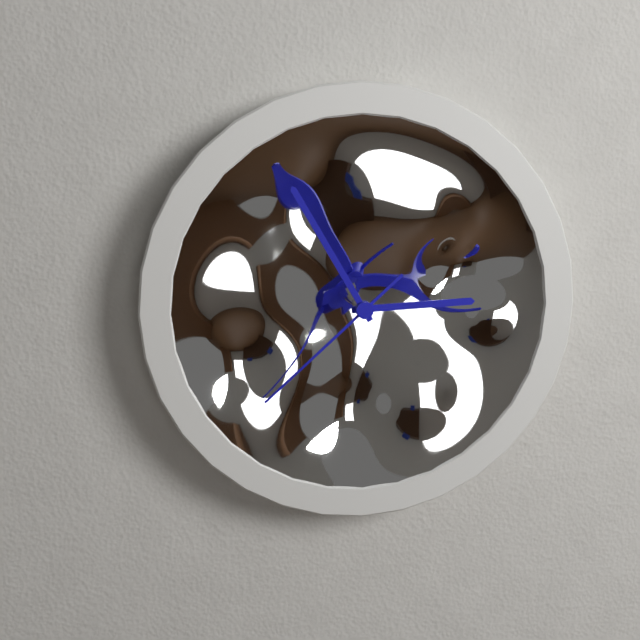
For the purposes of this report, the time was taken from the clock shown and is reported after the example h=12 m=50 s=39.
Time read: h=2 m=55 s=38
